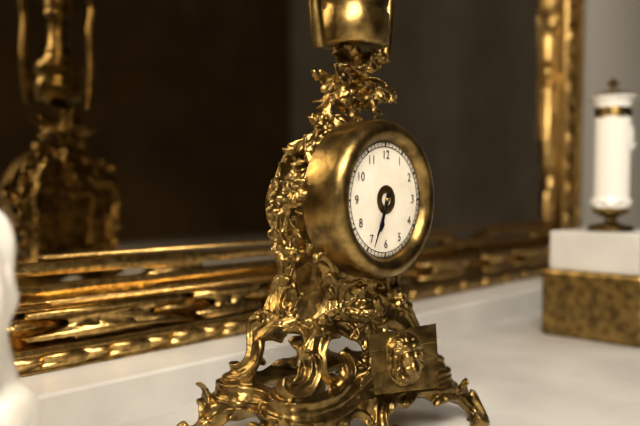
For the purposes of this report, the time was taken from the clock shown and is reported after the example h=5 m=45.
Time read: h=6 m=34
